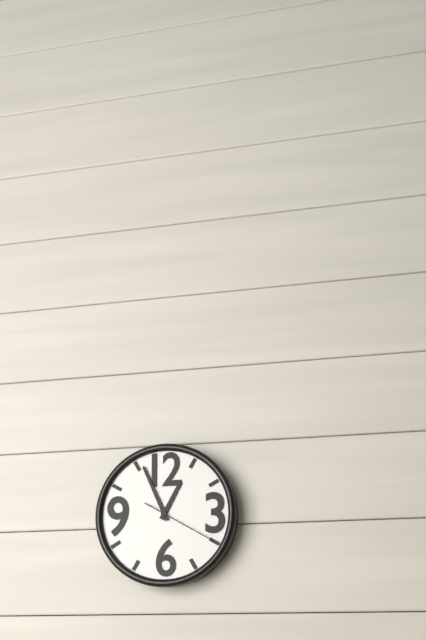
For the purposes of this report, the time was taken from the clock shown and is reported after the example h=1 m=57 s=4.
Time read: h=12 m=56 s=20
